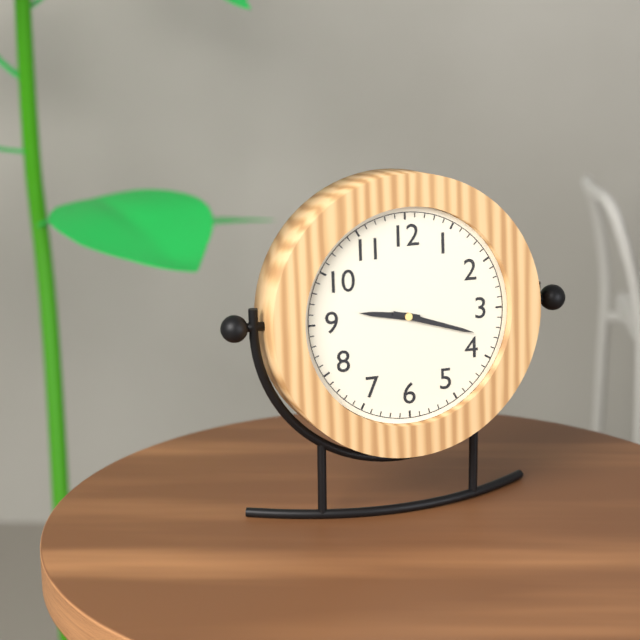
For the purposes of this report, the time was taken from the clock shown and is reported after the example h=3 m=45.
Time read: h=9 m=18
